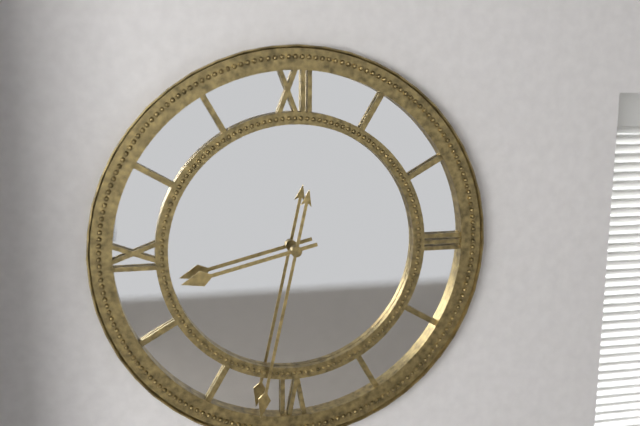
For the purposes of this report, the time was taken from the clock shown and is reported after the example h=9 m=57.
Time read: h=8 m=32
